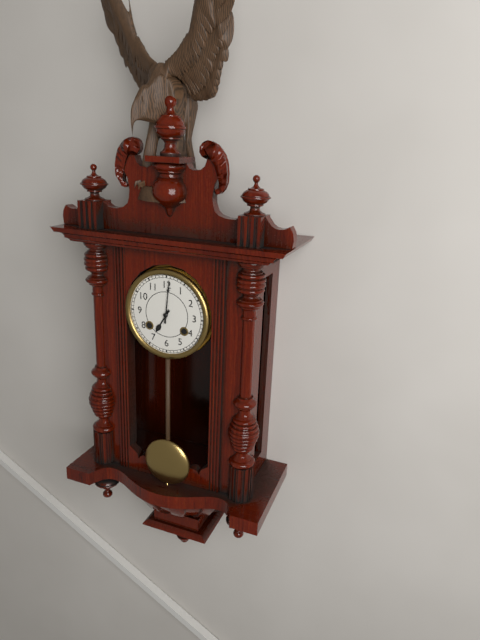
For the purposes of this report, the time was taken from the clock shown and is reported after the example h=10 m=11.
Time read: h=7 m=1
